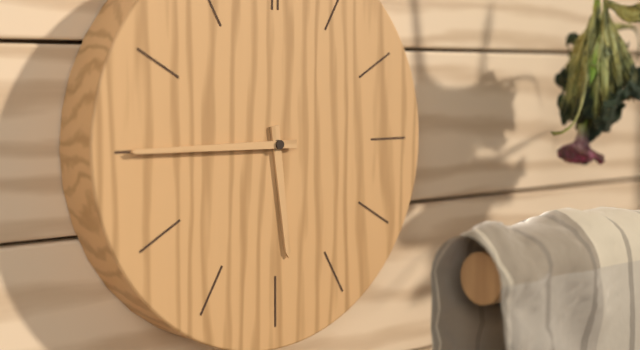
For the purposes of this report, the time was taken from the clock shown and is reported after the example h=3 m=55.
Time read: h=5 m=45
